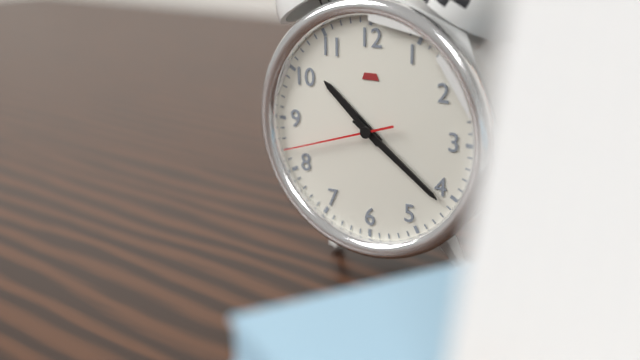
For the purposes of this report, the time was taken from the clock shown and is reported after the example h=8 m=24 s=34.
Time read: h=10 m=21 s=42
